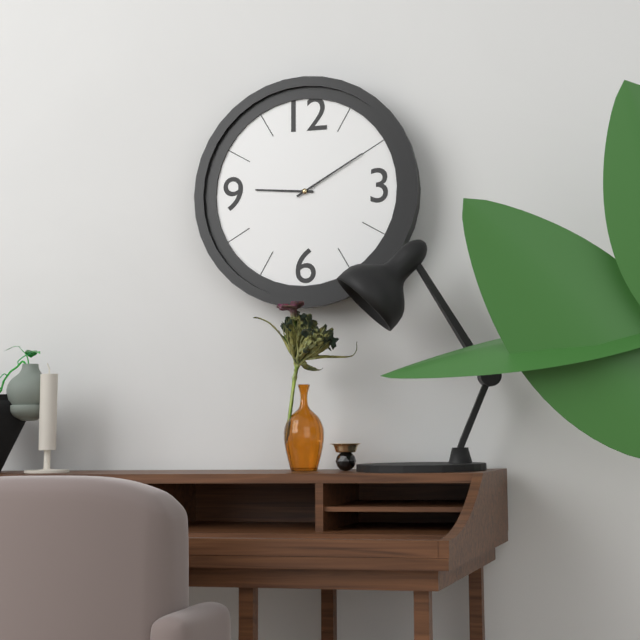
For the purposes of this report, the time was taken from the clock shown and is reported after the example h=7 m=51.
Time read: h=9 m=10
